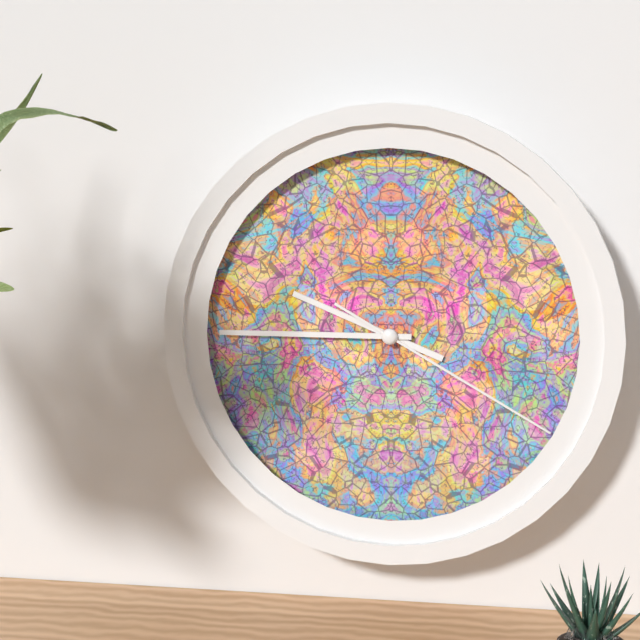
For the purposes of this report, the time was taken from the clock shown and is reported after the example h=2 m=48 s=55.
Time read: h=9 m=45 s=20
